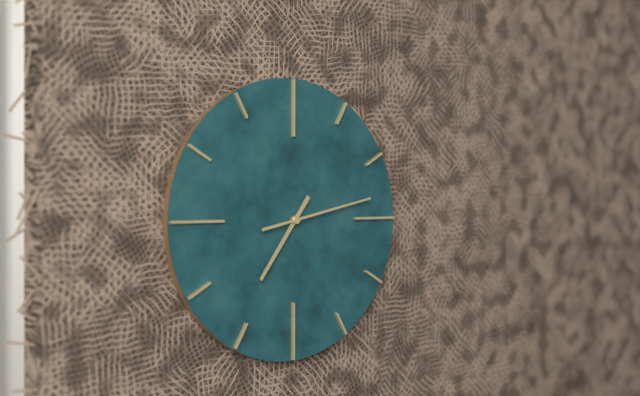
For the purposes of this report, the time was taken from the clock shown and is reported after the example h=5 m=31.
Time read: h=7 m=13
